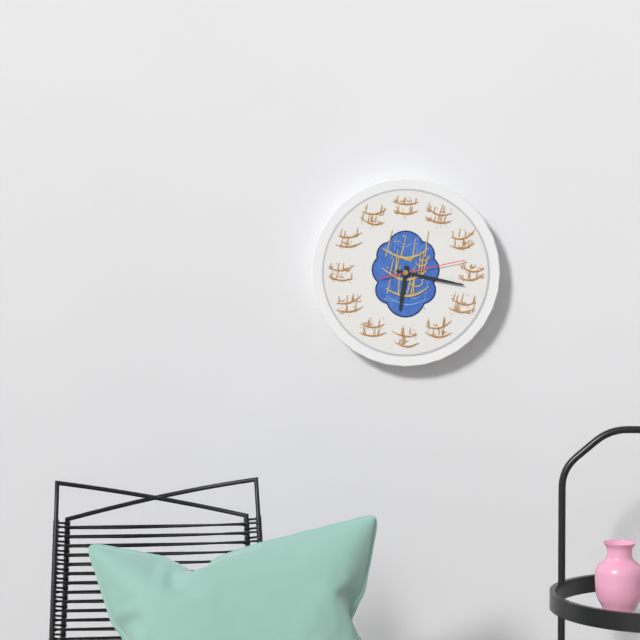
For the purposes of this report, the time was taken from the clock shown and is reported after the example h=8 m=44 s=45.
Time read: h=6 m=17 s=13
